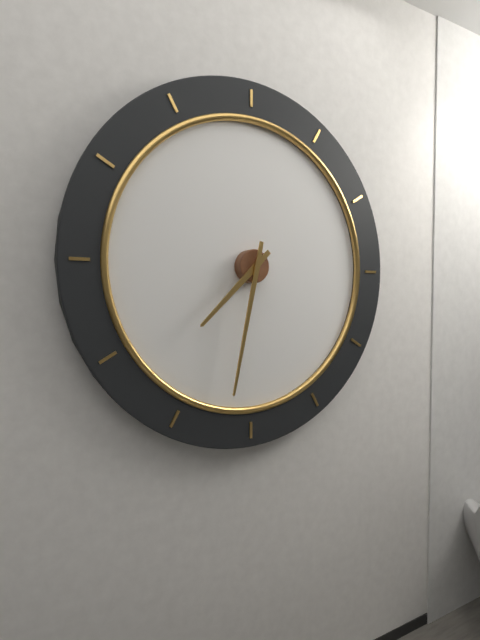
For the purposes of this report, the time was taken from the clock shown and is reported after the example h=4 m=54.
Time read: h=7 m=32
